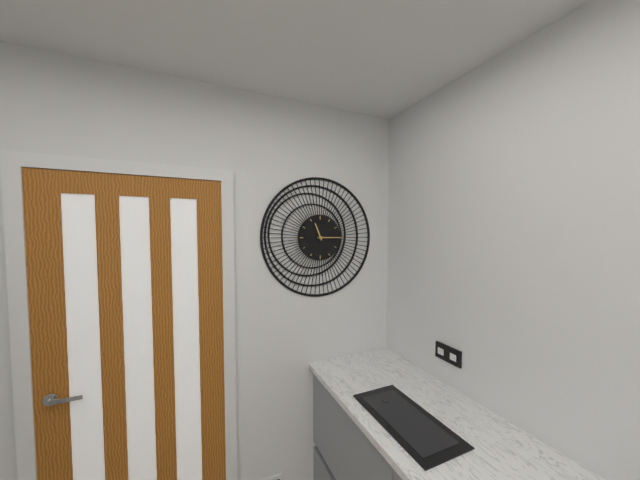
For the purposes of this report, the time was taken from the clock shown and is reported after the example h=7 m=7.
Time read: h=11 m=15
